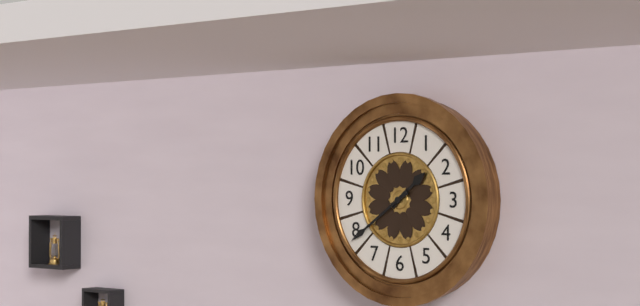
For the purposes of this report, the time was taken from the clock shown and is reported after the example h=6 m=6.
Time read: h=1 m=39
